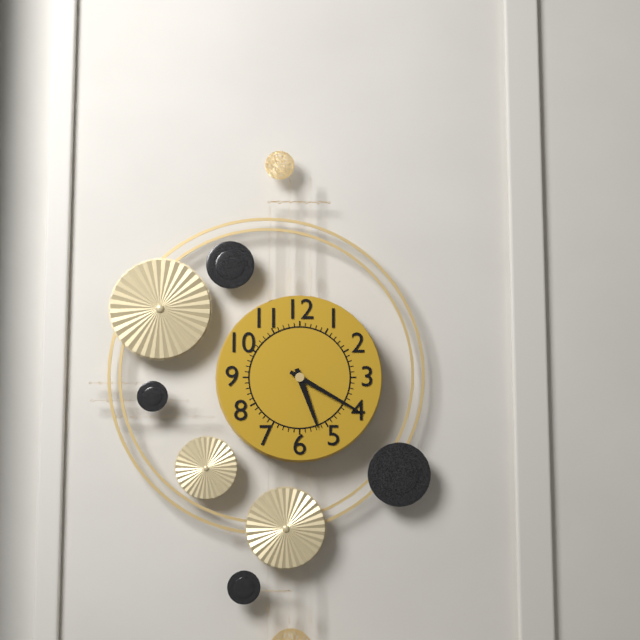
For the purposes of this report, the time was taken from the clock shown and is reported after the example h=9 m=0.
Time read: h=5 m=20
